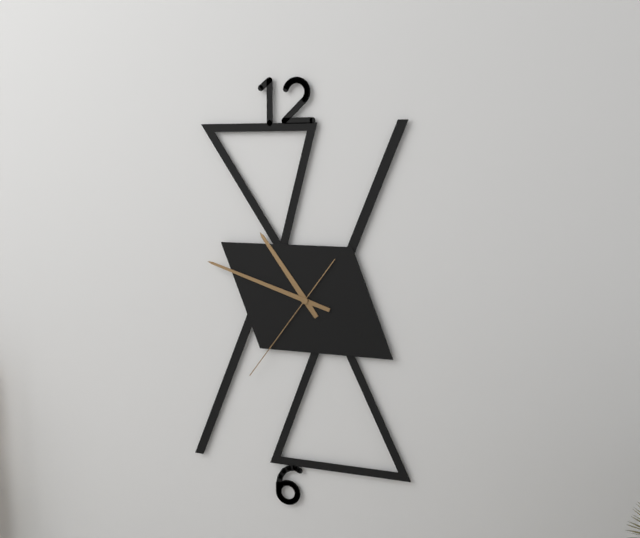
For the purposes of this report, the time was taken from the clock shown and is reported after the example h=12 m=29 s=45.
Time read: h=10 m=48 s=36
